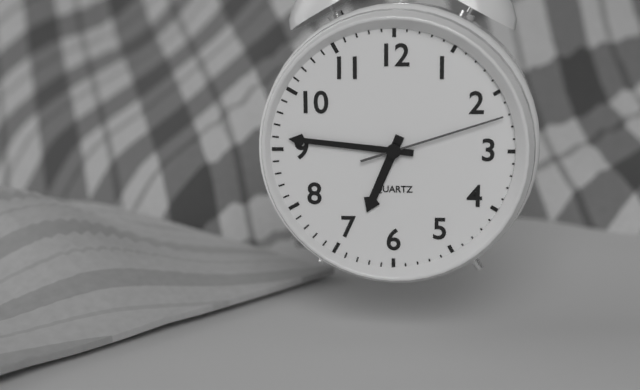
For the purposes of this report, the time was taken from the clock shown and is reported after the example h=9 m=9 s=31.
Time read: h=6 m=46 s=12
